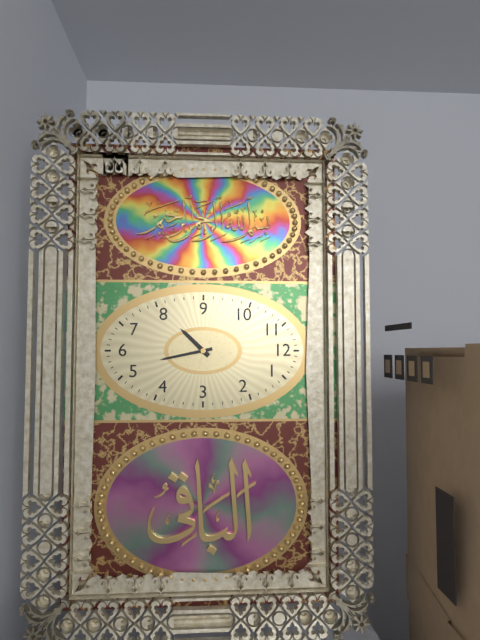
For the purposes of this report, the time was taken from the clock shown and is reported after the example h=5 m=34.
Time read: h=7 m=28
